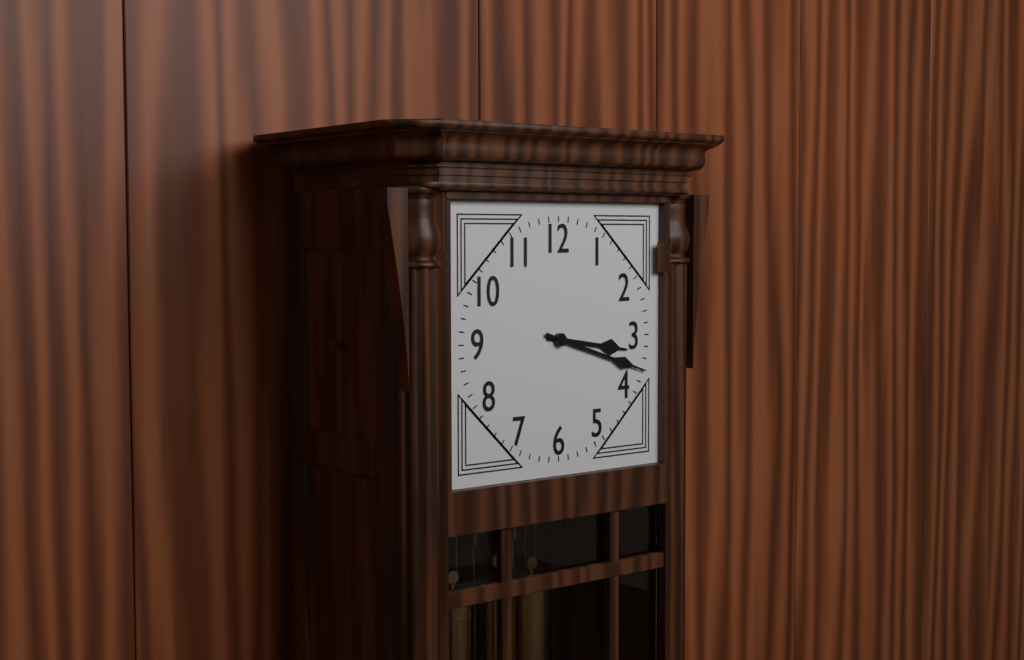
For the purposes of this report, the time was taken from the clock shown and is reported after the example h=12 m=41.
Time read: h=3 m=18
